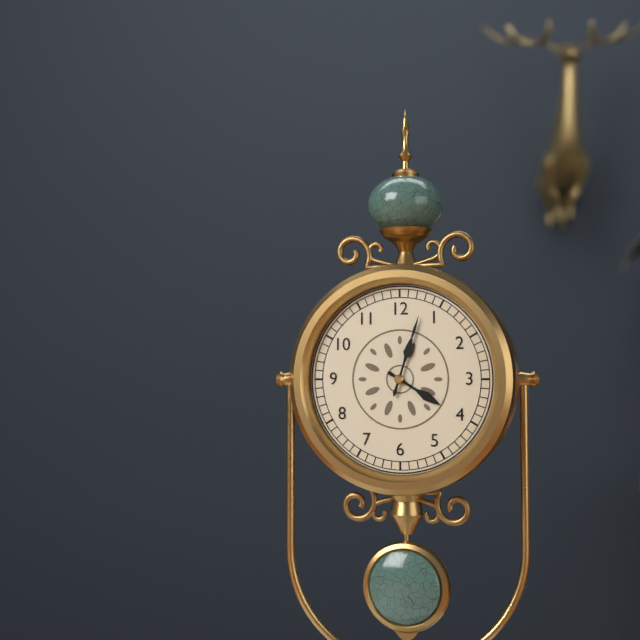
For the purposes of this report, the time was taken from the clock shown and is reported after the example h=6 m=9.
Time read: h=4 m=3
